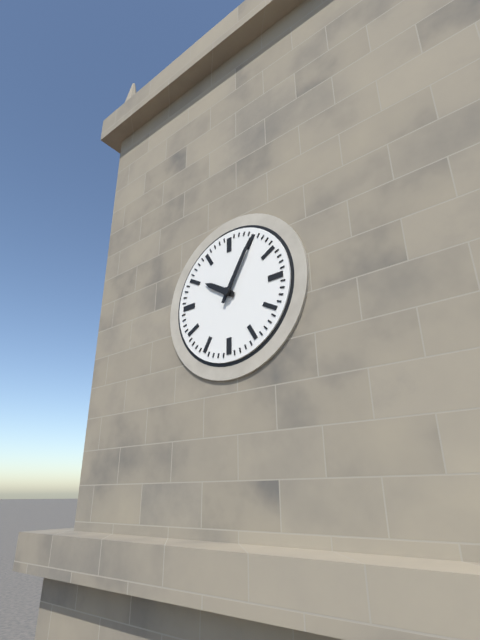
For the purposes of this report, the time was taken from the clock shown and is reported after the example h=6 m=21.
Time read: h=10 m=5
